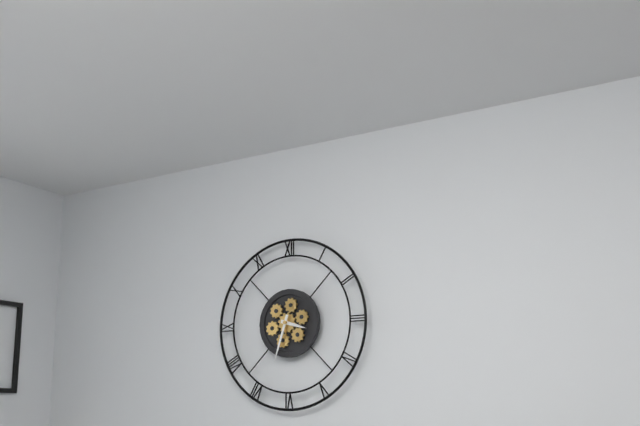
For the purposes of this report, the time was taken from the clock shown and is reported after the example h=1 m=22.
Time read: h=3 m=33
